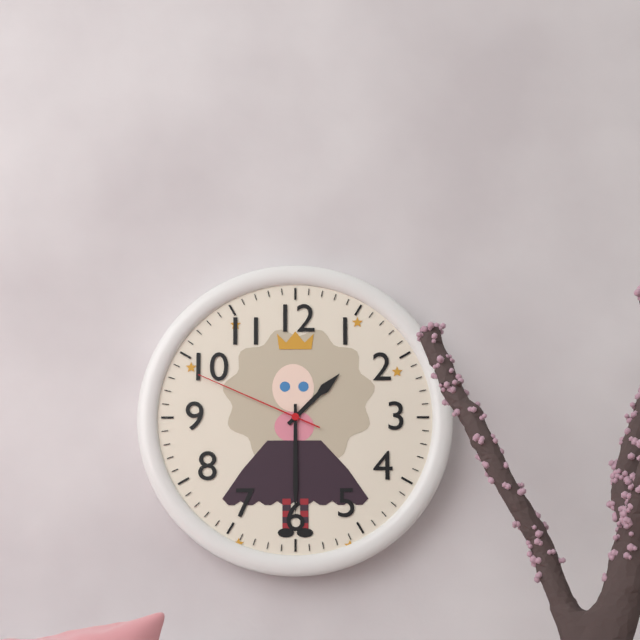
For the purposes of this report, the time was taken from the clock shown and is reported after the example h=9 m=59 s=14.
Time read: h=1 m=30 s=49
